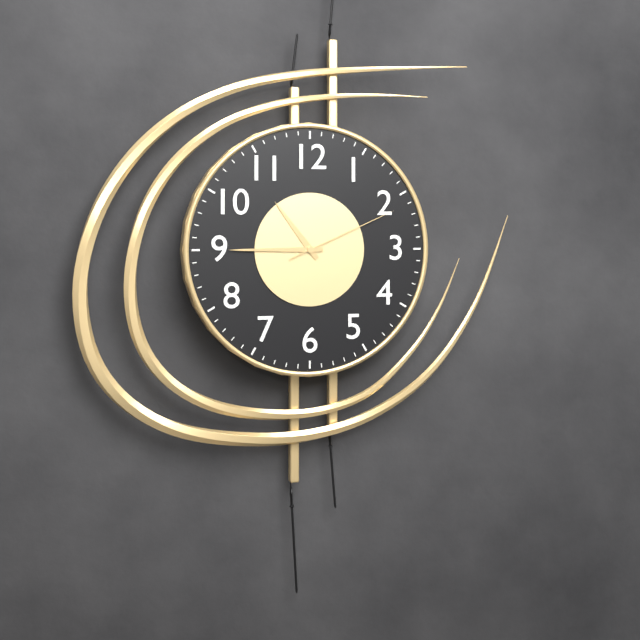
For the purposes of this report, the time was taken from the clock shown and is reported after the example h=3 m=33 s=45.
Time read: h=10 m=45 s=11
